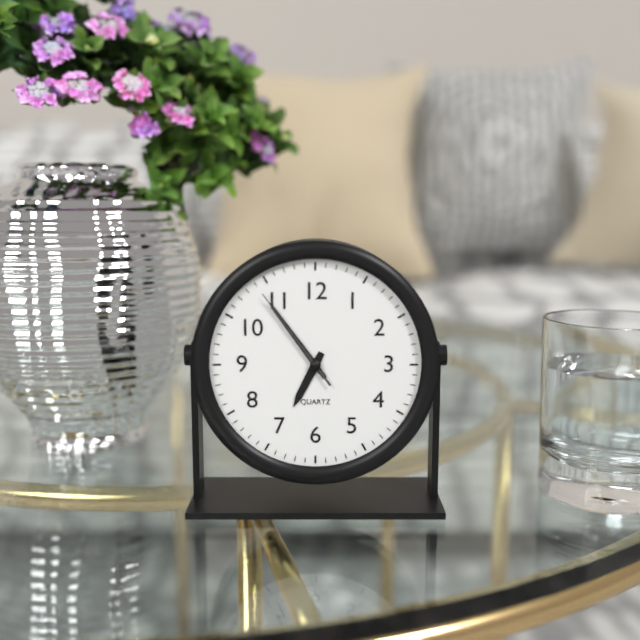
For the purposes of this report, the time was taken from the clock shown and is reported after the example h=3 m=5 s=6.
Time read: h=6 m=54 s=54
